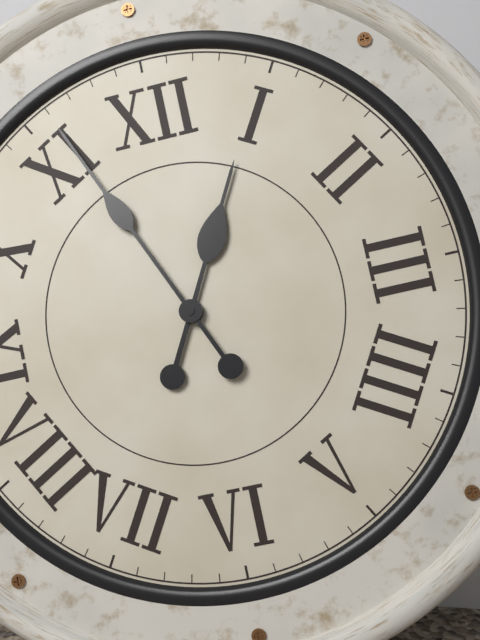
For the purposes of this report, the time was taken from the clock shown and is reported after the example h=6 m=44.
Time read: h=12 m=56
